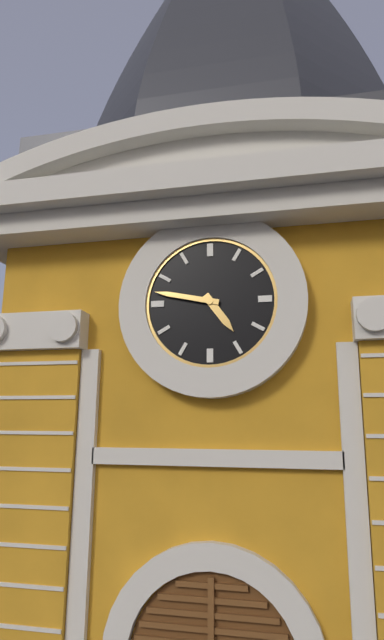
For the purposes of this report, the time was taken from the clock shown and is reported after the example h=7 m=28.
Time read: h=4 m=47
